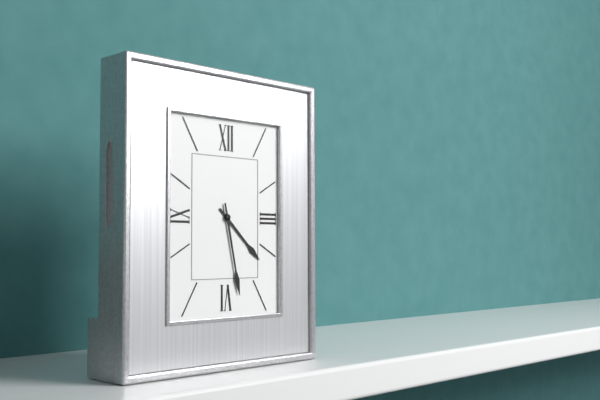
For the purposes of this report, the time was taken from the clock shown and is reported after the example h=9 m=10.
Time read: h=4 m=28
